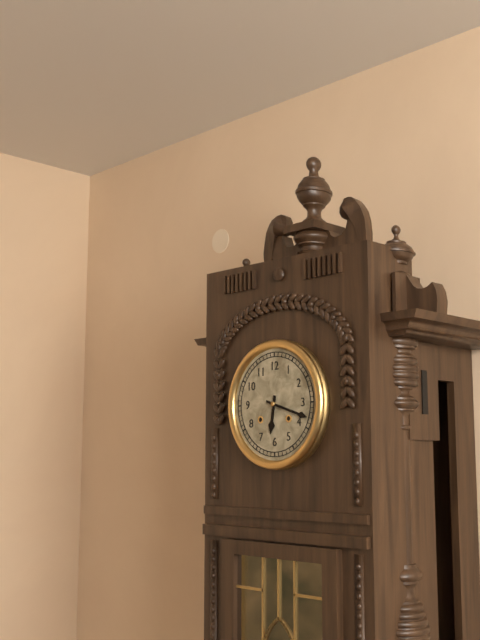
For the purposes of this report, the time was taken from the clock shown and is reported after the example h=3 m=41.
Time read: h=6 m=18
